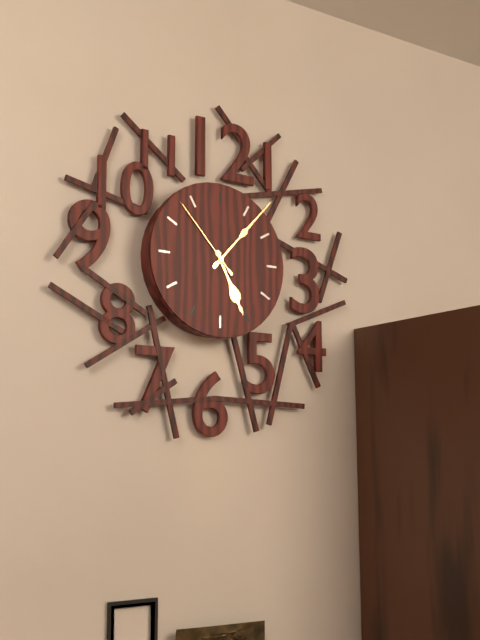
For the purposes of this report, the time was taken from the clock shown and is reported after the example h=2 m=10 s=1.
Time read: h=5 m=7 s=53
